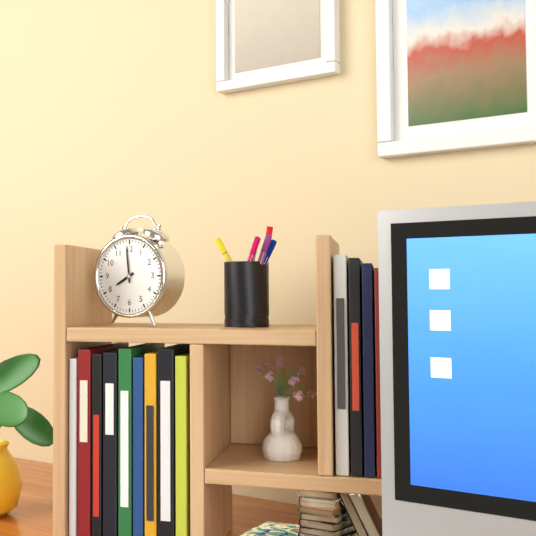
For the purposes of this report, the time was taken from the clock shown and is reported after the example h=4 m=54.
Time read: h=7 m=59
